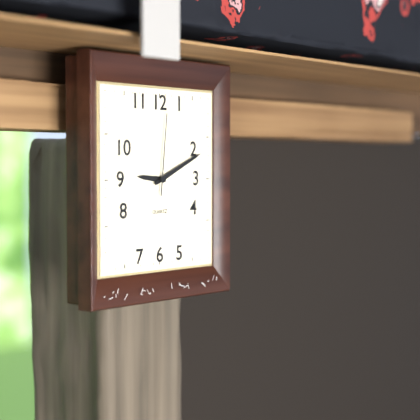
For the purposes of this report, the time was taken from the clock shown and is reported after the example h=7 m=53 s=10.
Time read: h=9 m=11 s=1
